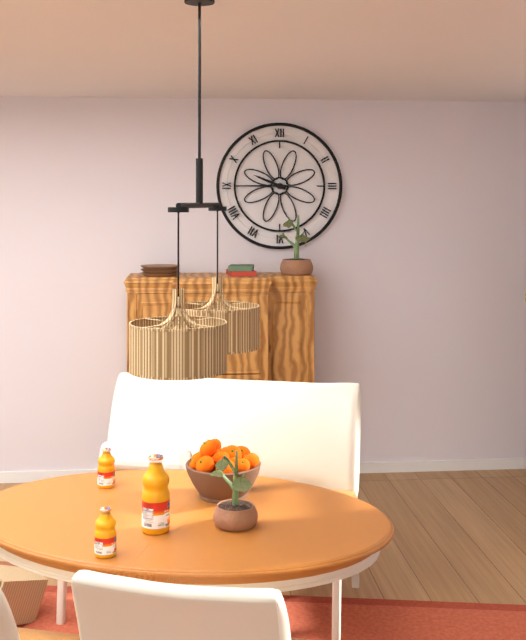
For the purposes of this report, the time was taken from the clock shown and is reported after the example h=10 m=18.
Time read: h=9 m=45
